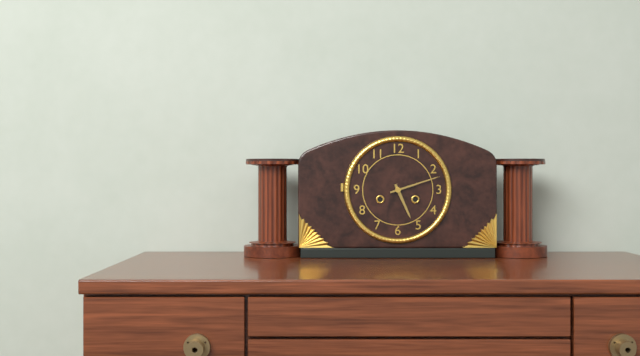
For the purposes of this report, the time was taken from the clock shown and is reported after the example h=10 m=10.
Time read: h=5 m=12
